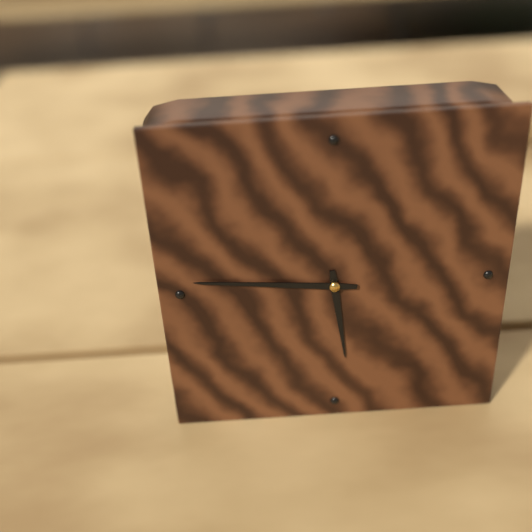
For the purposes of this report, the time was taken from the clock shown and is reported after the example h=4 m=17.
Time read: h=5 m=46
